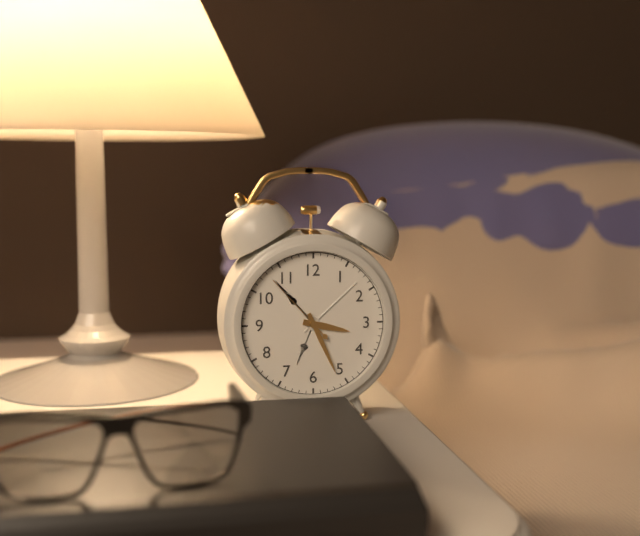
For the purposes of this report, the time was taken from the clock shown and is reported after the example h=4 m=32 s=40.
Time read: h=3 m=26 s=53
